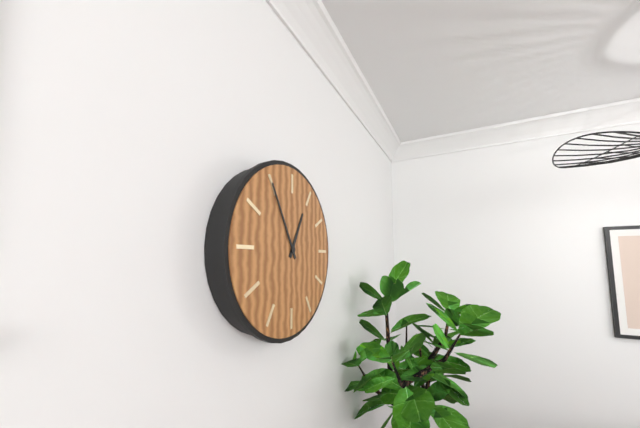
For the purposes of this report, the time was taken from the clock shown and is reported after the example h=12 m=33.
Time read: h=12 m=55
